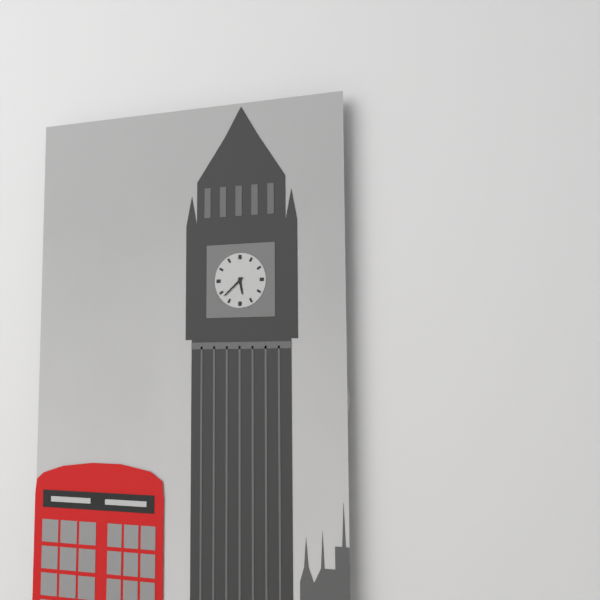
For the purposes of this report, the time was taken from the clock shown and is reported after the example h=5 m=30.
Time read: h=5 m=38
